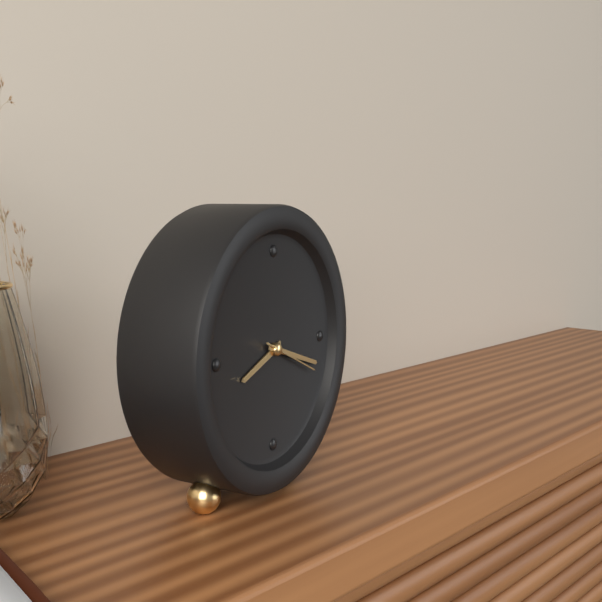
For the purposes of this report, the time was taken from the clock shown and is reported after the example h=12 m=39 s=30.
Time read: h=8 m=18 s=19
